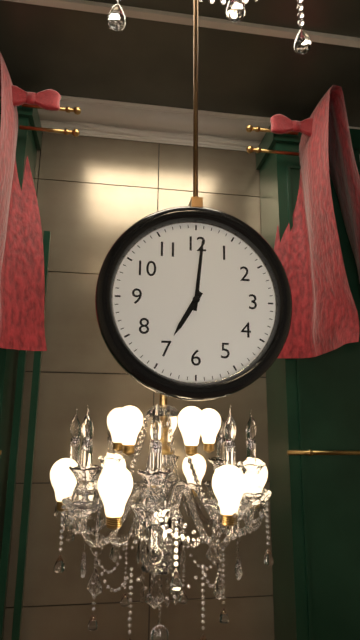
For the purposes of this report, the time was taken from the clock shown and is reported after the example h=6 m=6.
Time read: h=7 m=1
